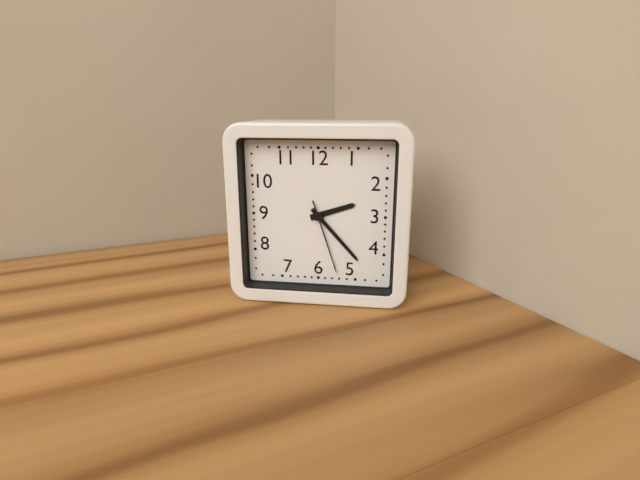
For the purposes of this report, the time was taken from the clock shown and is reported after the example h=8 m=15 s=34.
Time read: h=2 m=23 s=27
